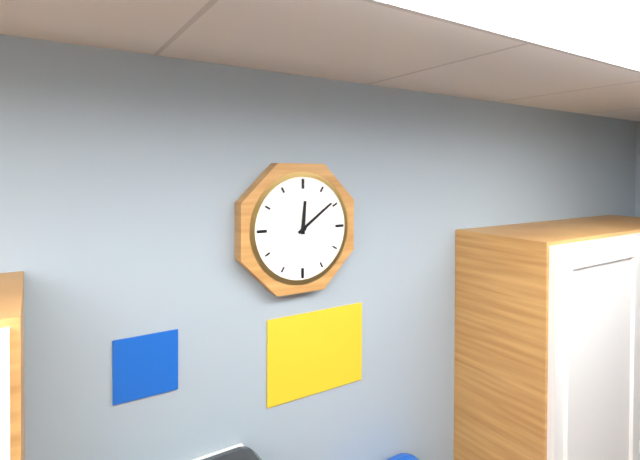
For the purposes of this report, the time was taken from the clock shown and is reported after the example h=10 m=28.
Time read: h=12 m=9
